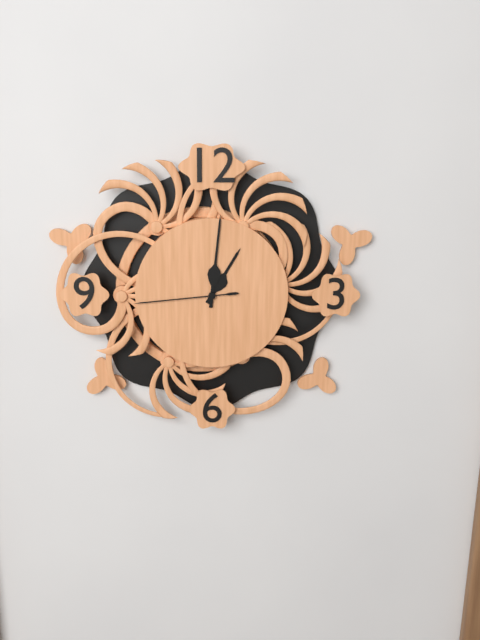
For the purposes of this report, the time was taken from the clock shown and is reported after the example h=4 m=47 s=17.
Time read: h=1 m=1 s=44
